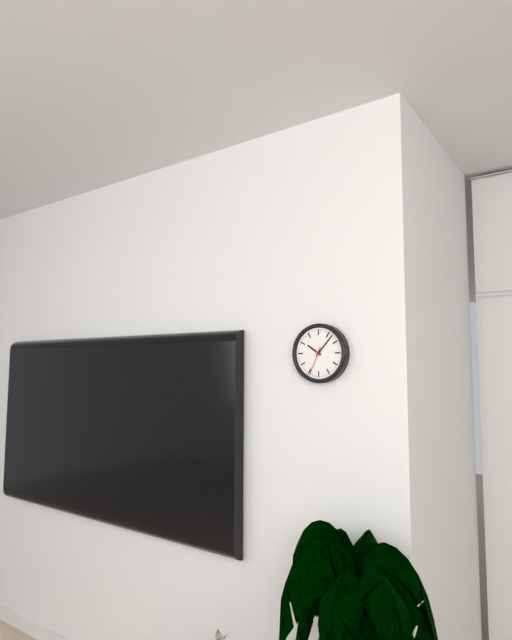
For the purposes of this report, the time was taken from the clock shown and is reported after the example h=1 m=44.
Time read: h=10 m=7
